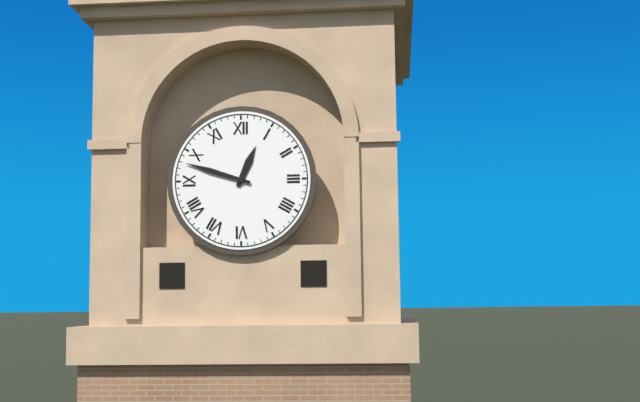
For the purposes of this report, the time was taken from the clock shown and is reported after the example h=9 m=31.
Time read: h=12 m=48
